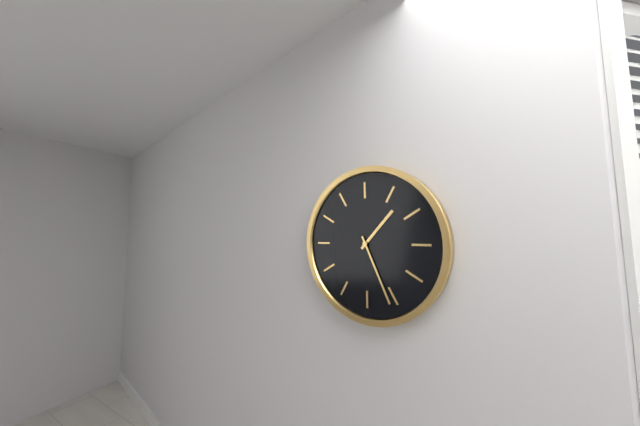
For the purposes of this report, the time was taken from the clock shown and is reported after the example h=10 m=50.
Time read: h=1 m=26
